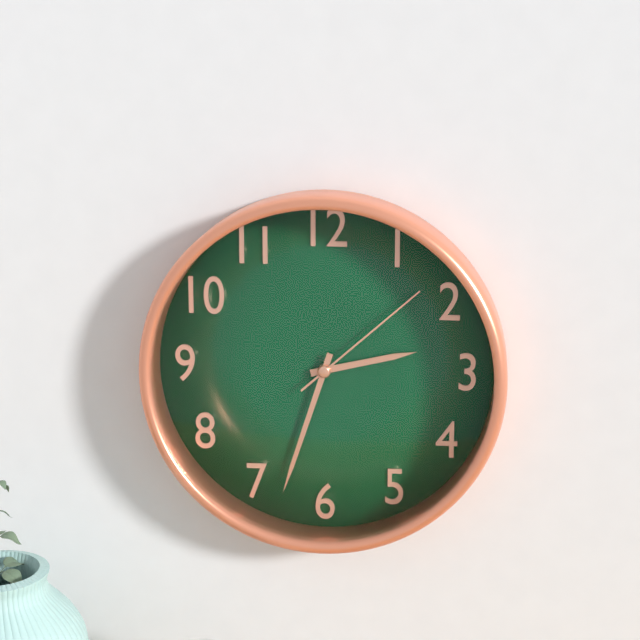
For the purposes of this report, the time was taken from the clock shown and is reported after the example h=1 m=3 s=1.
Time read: h=2 m=33 s=8
